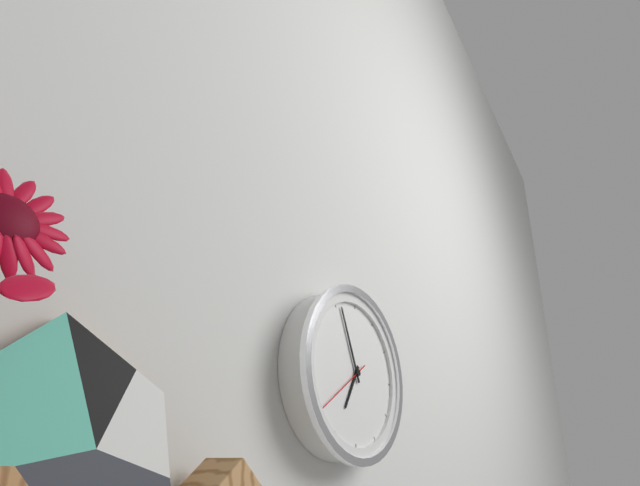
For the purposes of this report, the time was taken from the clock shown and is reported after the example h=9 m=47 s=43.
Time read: h=6 m=56 s=39
